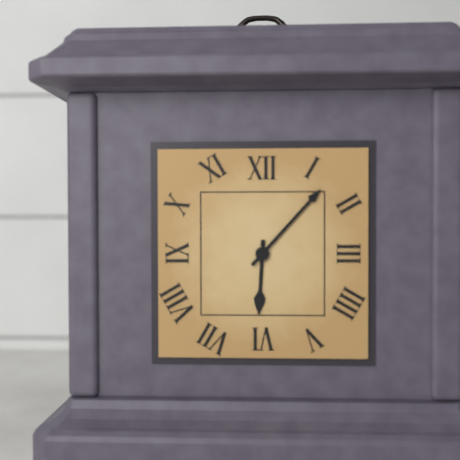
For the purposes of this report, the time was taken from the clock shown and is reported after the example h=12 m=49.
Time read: h=6 m=7
